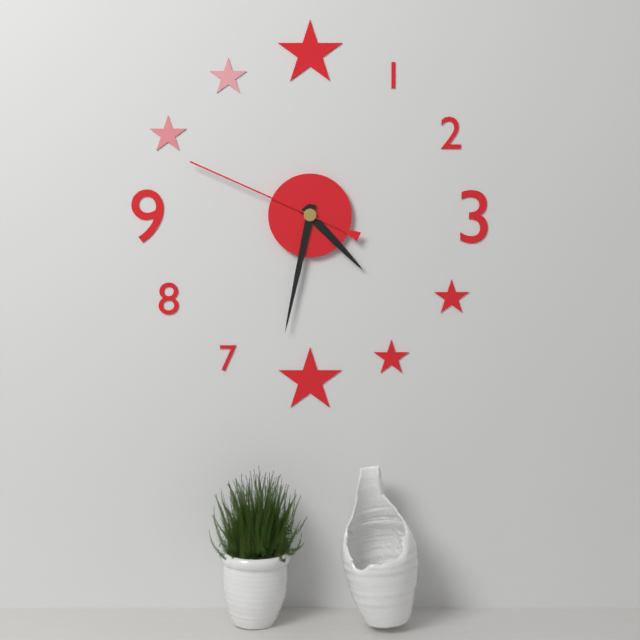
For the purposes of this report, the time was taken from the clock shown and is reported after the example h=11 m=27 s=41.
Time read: h=4 m=32 s=49
